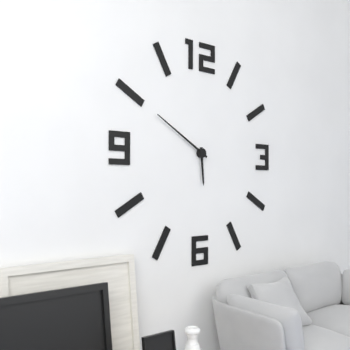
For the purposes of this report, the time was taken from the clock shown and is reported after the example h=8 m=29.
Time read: h=5 m=50
